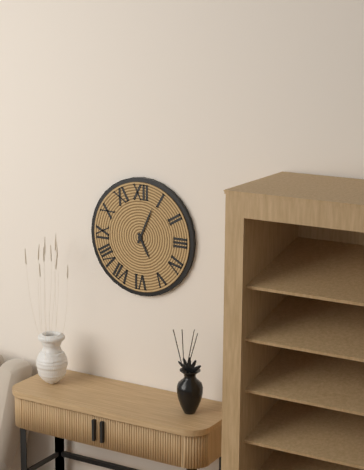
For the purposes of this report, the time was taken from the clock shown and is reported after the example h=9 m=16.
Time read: h=5 m=4
